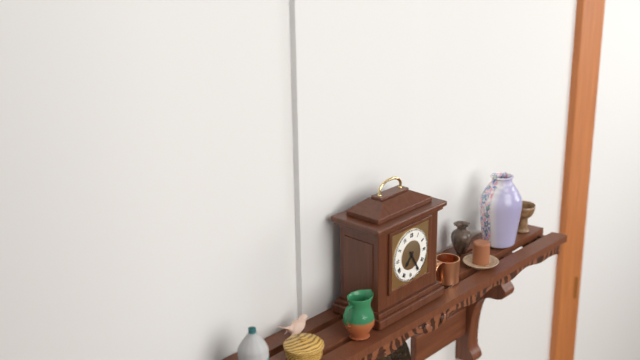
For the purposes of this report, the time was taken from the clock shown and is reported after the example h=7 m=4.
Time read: h=7 m=25
